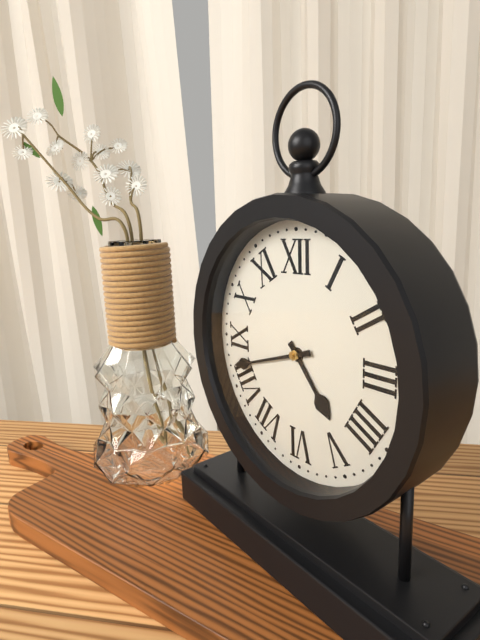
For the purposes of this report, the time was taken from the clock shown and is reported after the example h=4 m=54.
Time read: h=4 m=42
